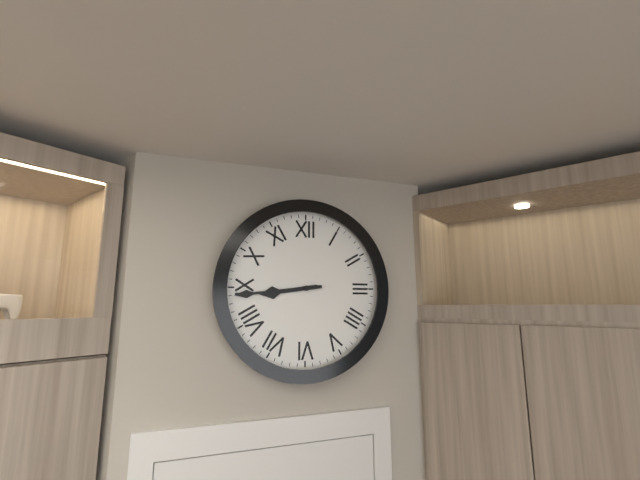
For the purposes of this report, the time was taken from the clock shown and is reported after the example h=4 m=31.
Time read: h=8 m=44
